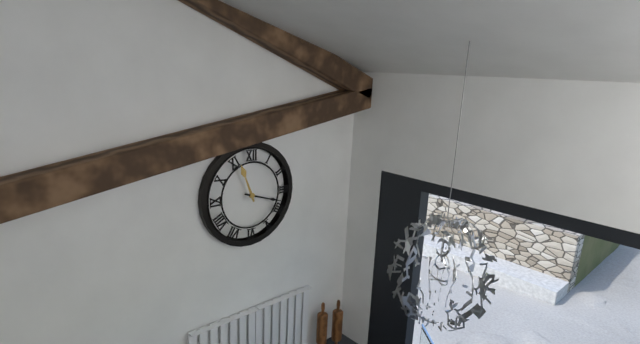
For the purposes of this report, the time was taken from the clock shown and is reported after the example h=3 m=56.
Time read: h=11 m=18
